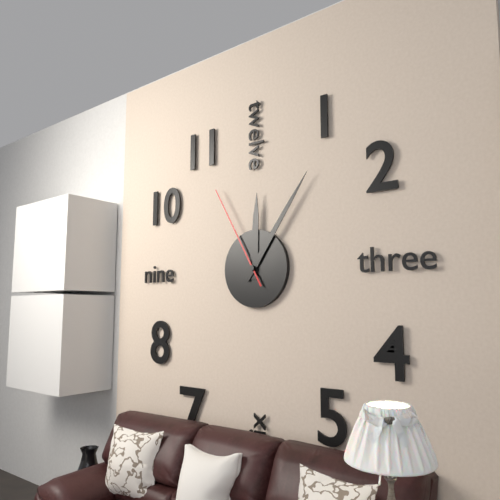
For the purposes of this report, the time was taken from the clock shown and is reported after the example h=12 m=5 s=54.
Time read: h=12 m=6 s=55
